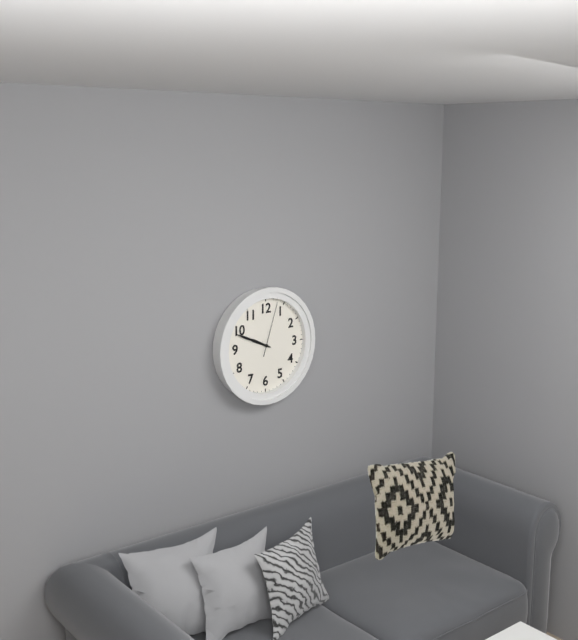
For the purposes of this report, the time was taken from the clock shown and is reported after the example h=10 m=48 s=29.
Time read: h=9 m=49 s=3
